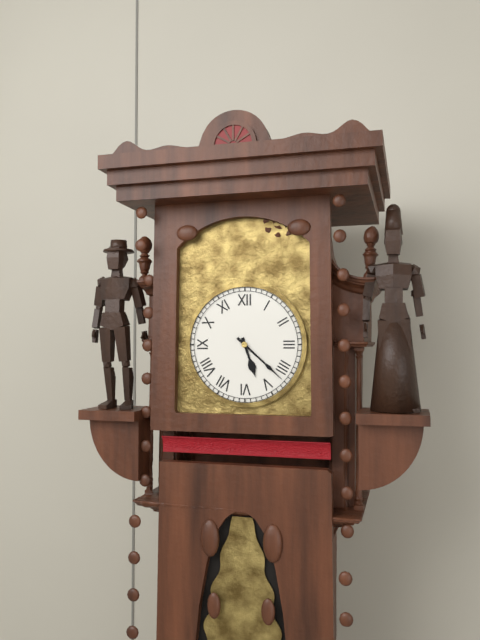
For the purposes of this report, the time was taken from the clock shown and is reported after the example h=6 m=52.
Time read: h=5 m=22
